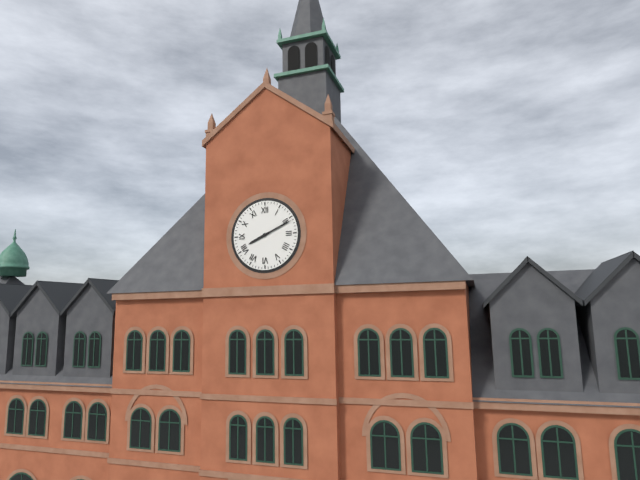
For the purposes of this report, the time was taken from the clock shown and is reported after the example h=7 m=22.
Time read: h=8 m=11
